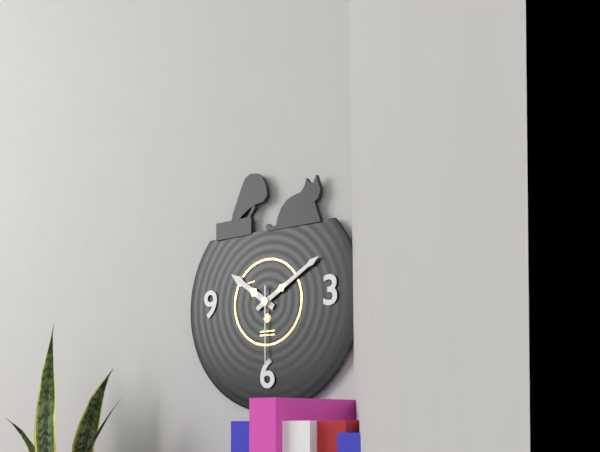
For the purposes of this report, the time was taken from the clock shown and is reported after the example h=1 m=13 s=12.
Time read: h=10 m=10 s=30
